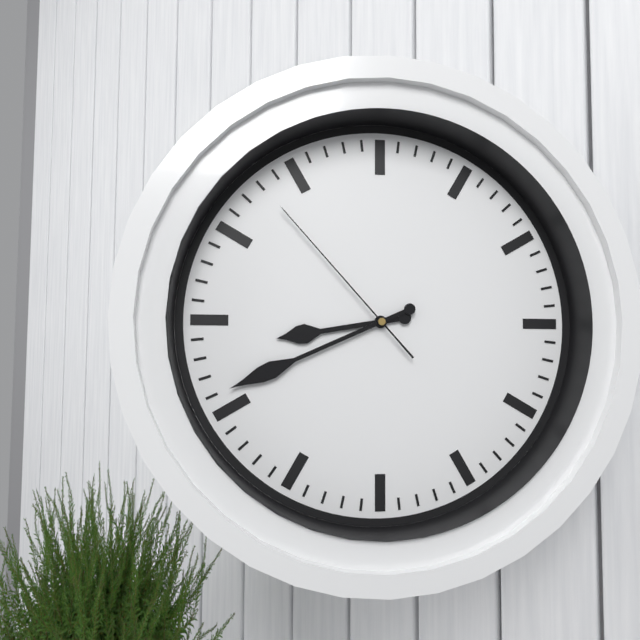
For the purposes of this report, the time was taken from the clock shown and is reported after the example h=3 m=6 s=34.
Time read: h=8 m=41 s=53
